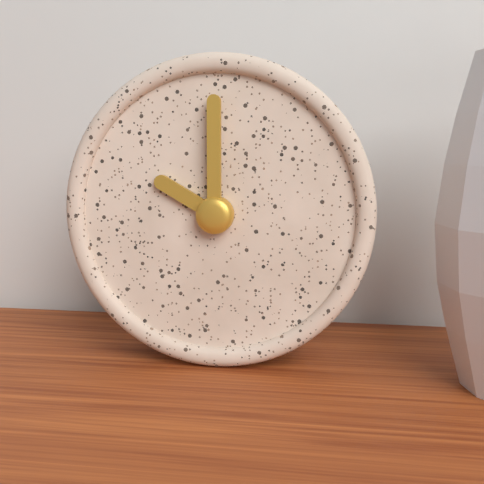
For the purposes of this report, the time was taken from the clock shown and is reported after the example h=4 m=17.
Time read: h=10 m=0
